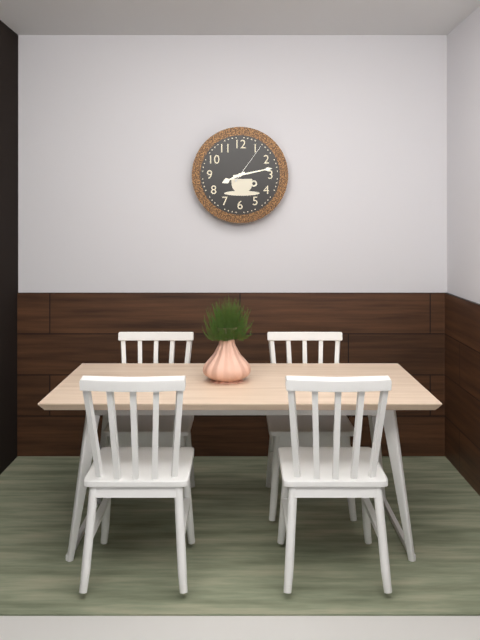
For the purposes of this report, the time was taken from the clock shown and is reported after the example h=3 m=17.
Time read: h=8 m=13
